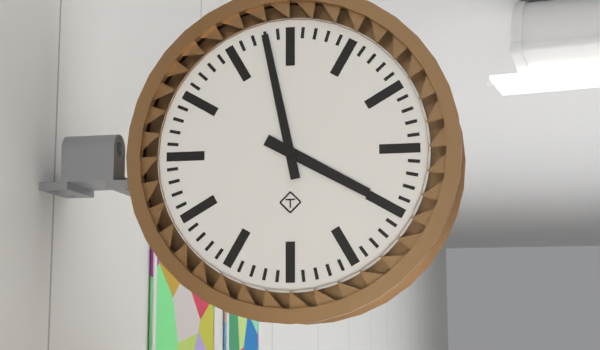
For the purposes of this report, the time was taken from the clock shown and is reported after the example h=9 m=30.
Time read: h=3 m=58
